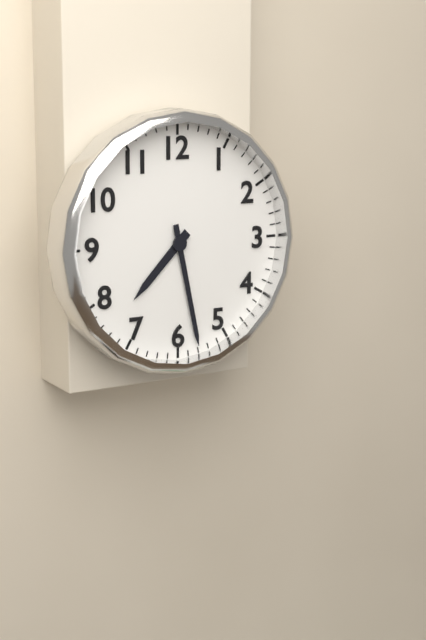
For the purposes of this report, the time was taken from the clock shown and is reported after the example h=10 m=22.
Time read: h=7 m=28
